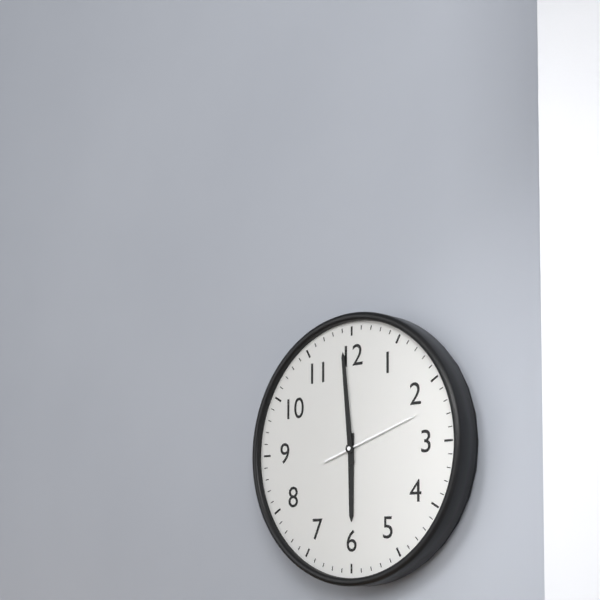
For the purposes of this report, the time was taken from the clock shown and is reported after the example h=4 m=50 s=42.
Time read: h=5 m=59 s=12
